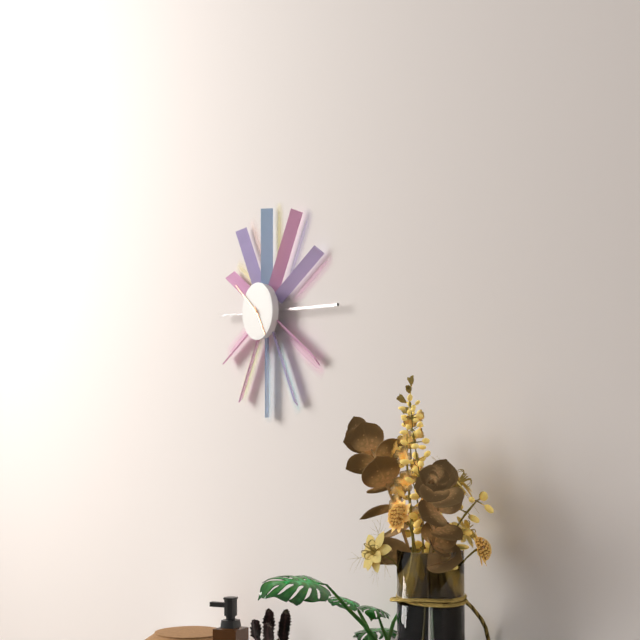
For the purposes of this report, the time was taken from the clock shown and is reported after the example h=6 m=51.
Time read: h=4 m=51
